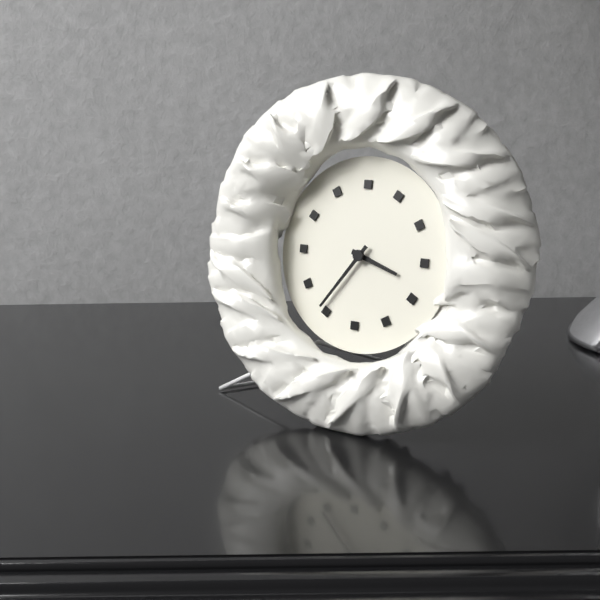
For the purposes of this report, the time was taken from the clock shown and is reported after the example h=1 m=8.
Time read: h=3 m=36
